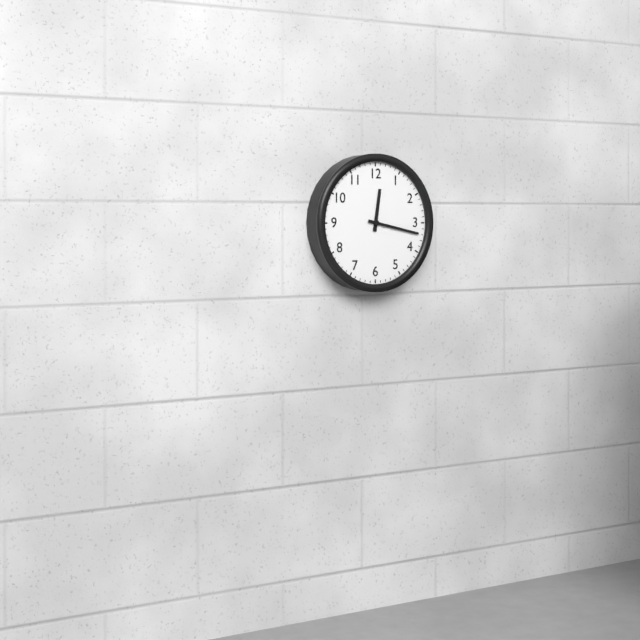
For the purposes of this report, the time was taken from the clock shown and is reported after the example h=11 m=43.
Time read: h=12 m=17
